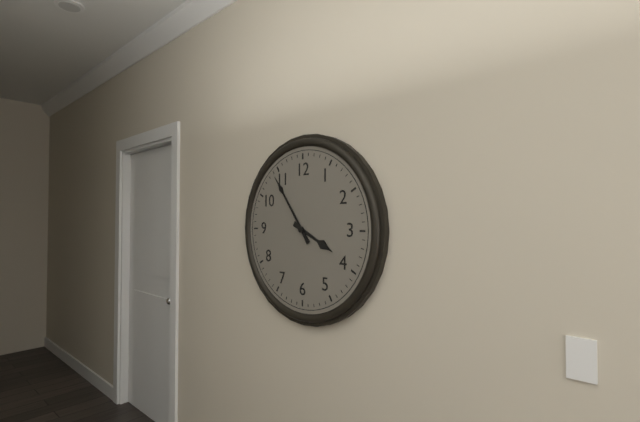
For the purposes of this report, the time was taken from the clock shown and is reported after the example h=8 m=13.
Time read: h=3 m=54
